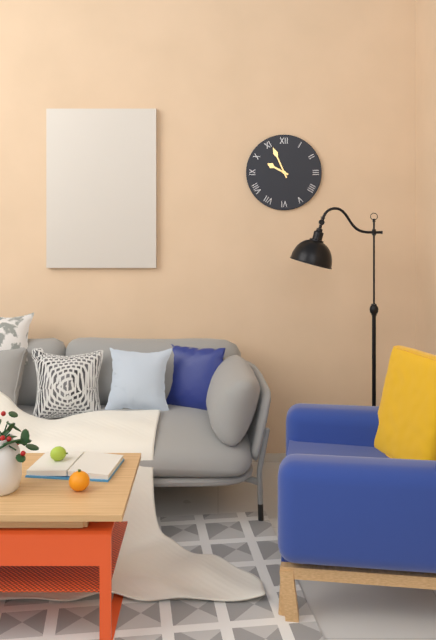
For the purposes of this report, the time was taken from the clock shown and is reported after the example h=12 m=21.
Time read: h=9 m=56
